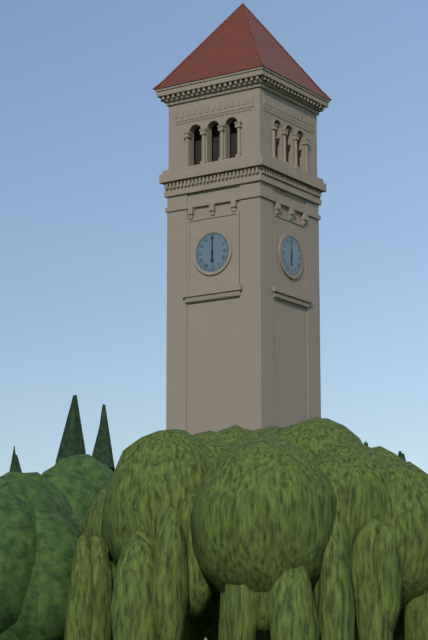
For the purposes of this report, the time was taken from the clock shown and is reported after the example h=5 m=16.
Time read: h=6 m=0
